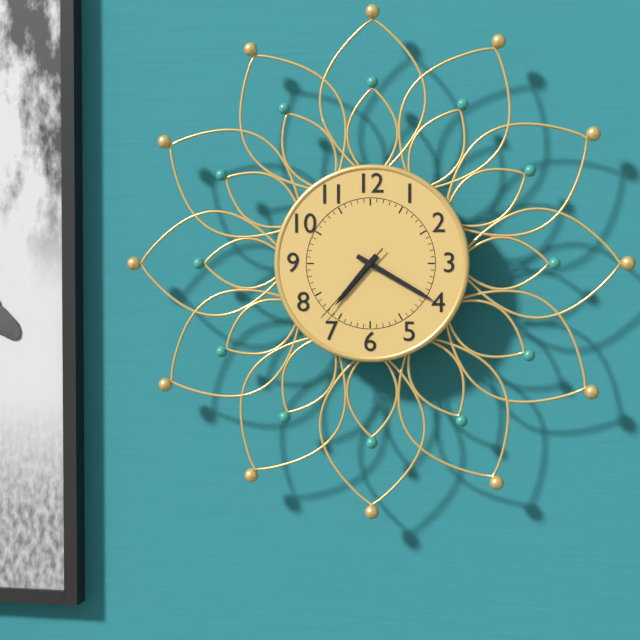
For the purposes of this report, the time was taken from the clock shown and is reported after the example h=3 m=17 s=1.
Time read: h=7 m=20 s=37
